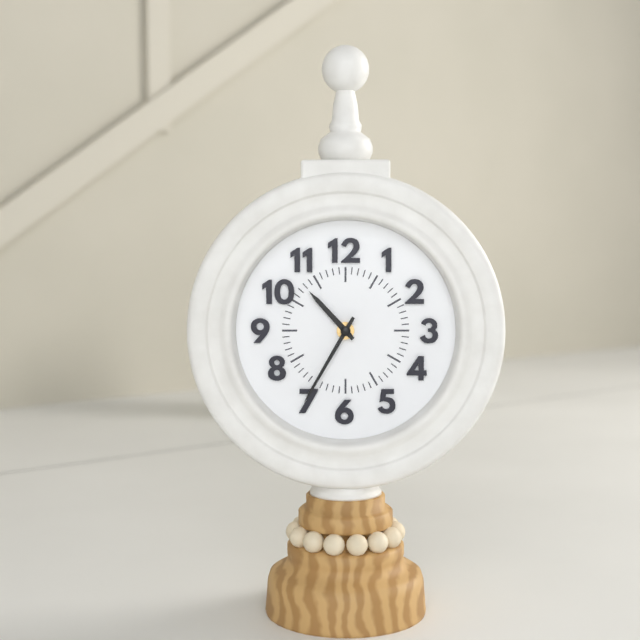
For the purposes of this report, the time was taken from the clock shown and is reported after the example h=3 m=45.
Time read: h=10 m=35
